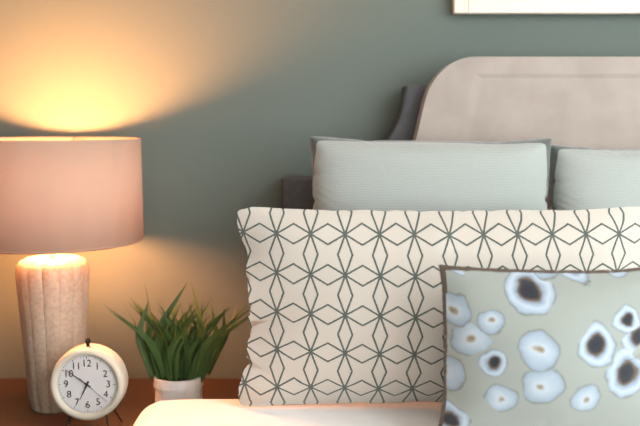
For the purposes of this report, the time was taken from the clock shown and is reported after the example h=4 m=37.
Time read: h=6 m=51
